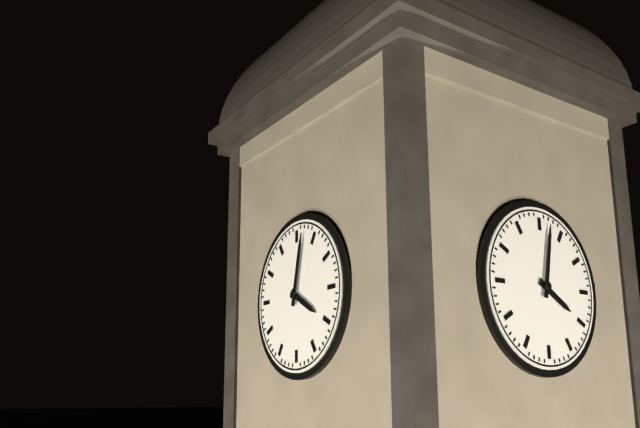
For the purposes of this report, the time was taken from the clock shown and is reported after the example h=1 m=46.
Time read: h=4 m=2
